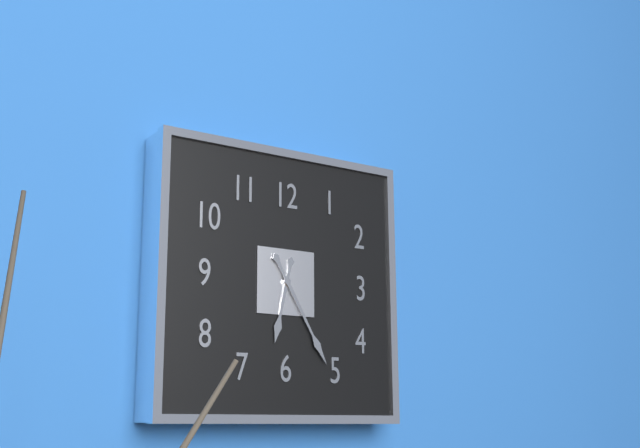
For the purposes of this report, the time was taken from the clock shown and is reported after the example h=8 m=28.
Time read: h=6 m=25
